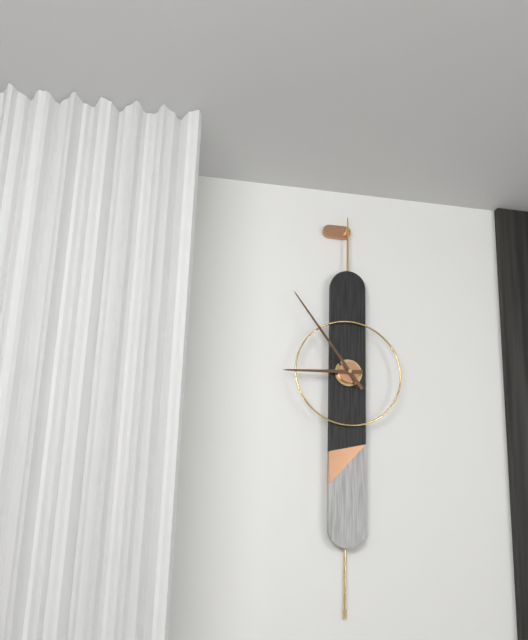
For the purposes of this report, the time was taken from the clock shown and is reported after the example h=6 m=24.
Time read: h=8 m=54
